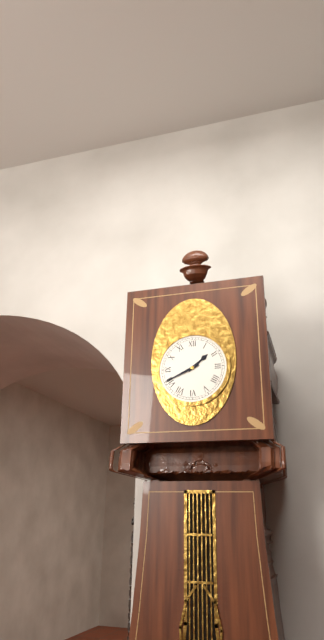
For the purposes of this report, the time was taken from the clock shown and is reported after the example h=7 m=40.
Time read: h=1 m=41
